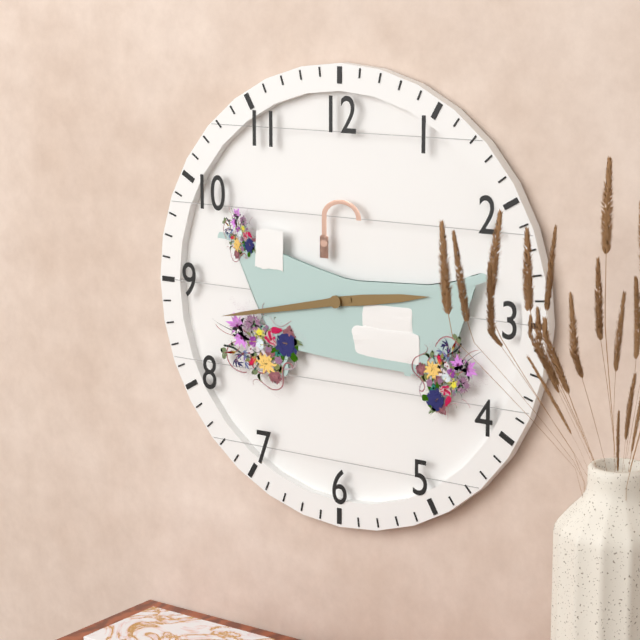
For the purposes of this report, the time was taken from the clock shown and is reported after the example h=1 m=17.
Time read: h=2 m=43
